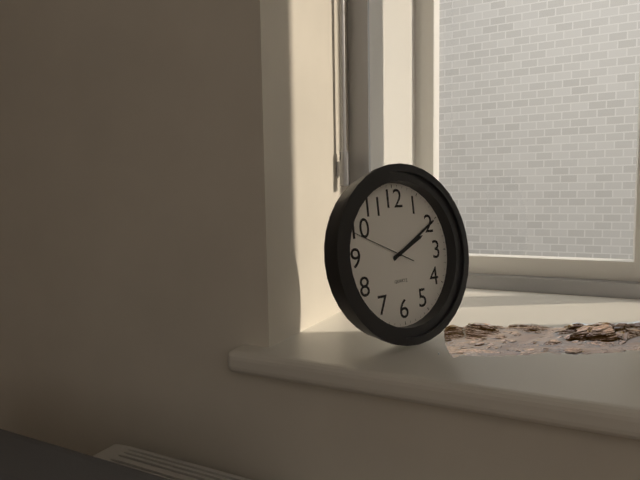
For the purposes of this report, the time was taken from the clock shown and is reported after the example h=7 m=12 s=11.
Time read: h=2 m=10 s=49
